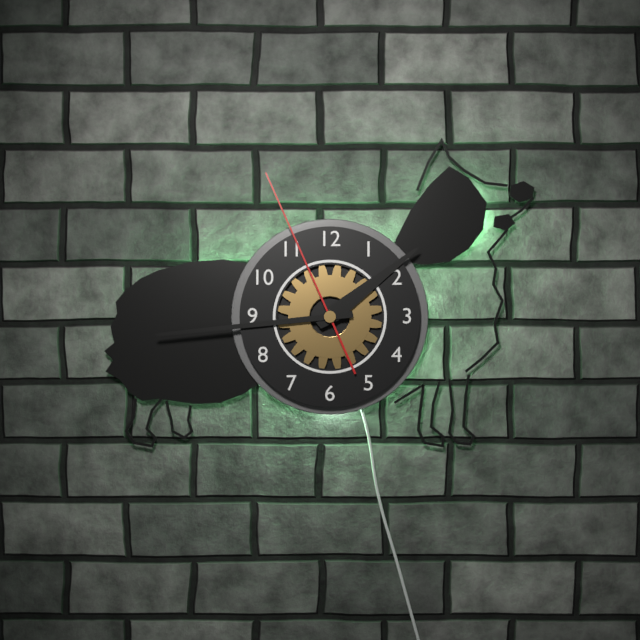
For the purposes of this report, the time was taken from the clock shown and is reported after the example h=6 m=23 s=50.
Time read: h=1 m=44 s=56
